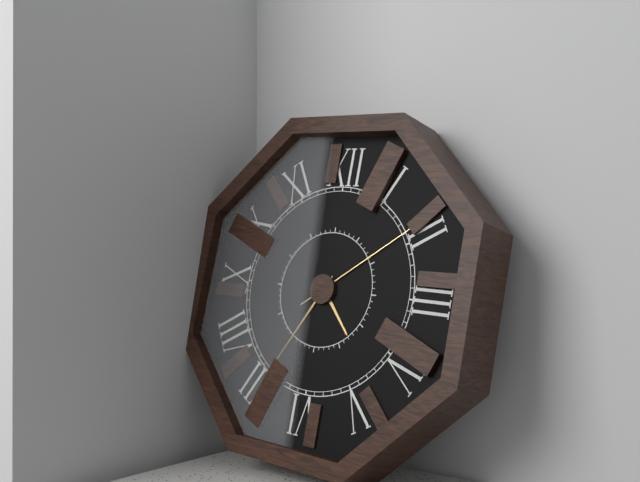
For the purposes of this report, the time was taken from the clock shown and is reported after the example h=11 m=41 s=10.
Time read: h=4 m=35 s=9
